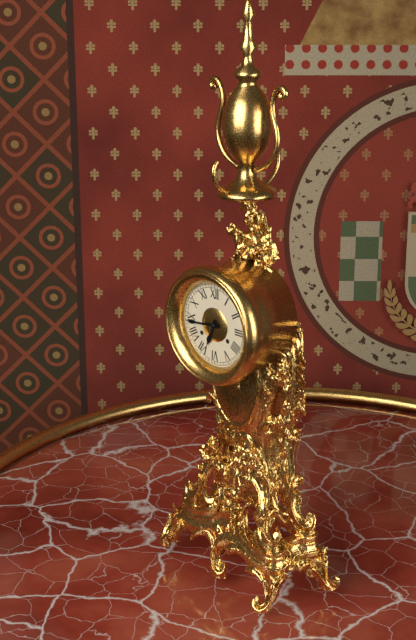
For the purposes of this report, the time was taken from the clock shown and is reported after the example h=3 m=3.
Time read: h=6 m=44
